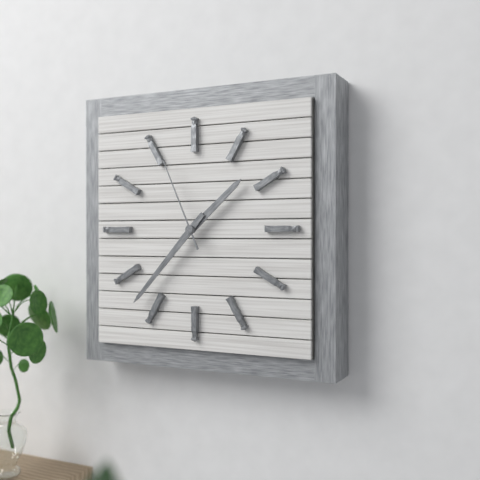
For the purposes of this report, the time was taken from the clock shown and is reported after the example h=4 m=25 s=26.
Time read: h=1 m=37 s=56
